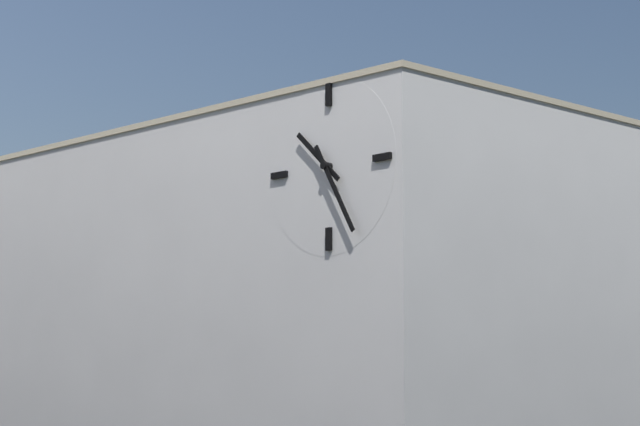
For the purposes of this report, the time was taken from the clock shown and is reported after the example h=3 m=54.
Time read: h=10 m=25
